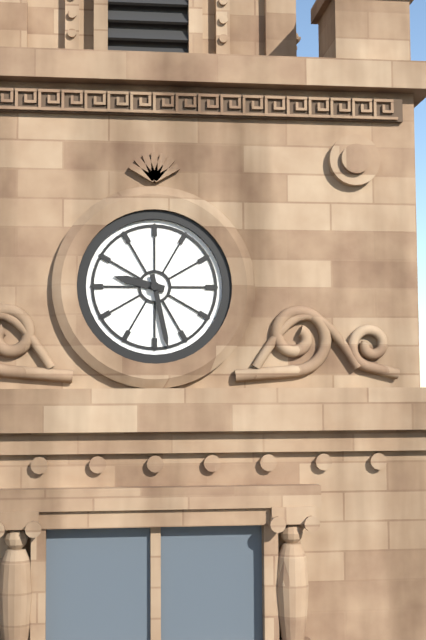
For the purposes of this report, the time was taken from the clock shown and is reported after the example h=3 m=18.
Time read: h=9 m=28
